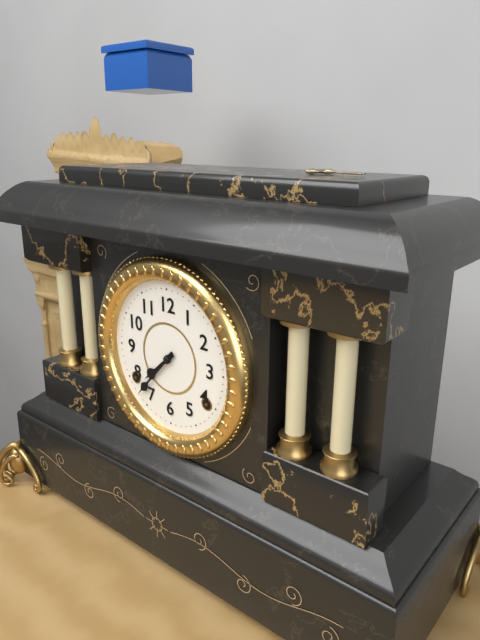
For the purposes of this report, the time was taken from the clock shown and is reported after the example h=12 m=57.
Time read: h=7 m=37
